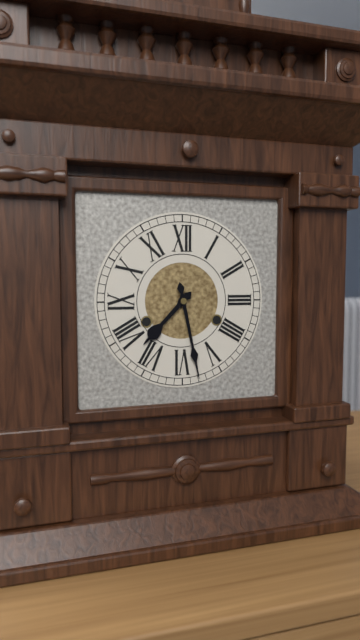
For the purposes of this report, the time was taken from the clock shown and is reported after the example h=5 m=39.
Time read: h=7 m=28
